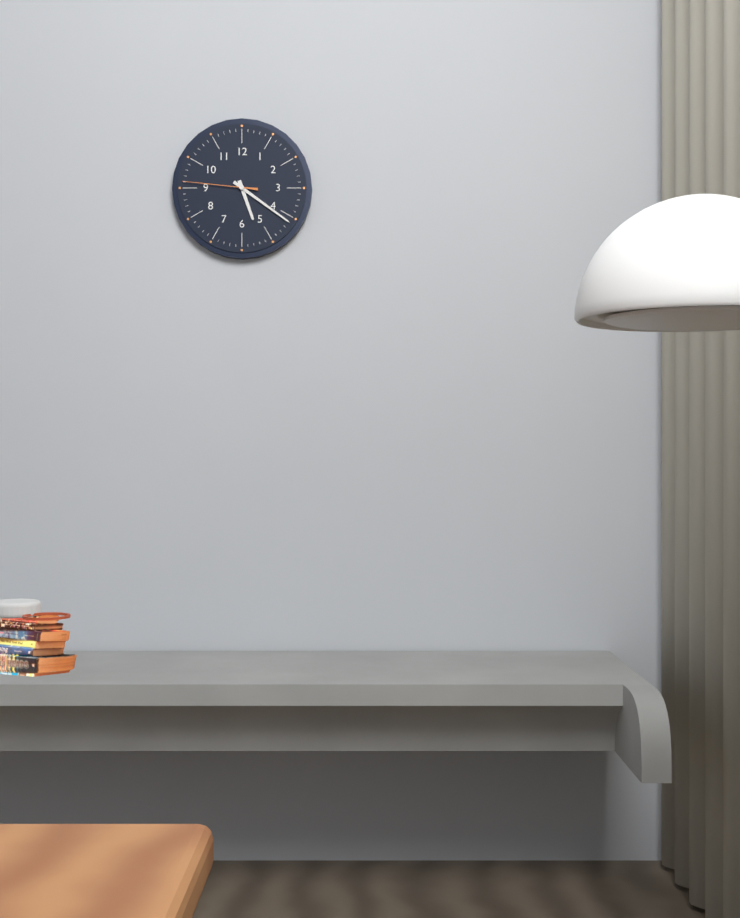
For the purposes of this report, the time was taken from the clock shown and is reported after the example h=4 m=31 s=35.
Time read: h=5 m=21 s=46
